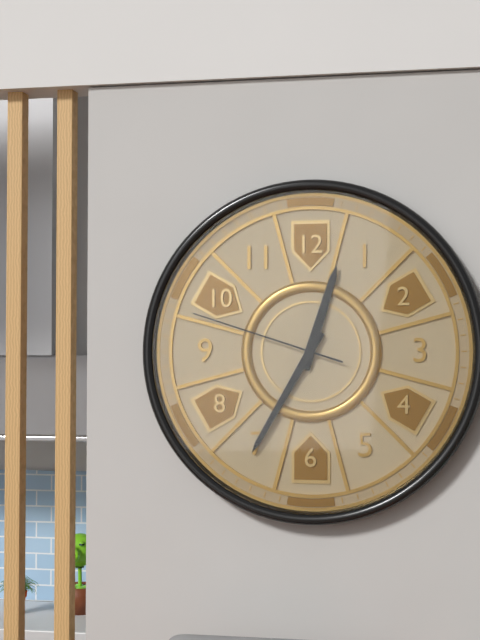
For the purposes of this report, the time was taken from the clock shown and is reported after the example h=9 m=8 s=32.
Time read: h=12 m=35 s=48
